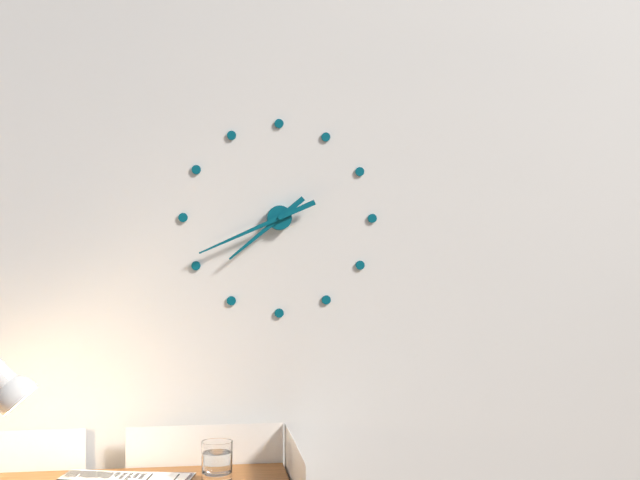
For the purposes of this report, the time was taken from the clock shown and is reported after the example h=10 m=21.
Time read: h=7 m=41
